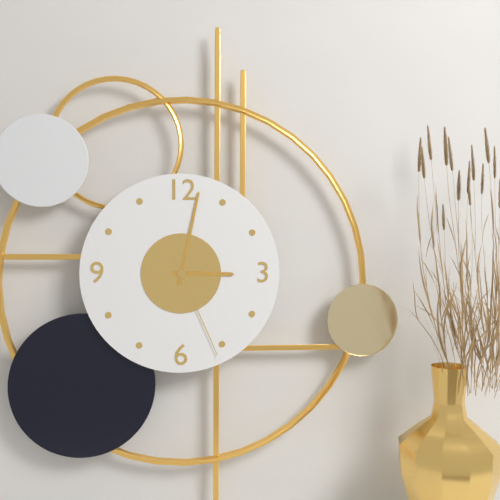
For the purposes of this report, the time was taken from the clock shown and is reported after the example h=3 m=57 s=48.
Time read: h=3 m=2 s=26
